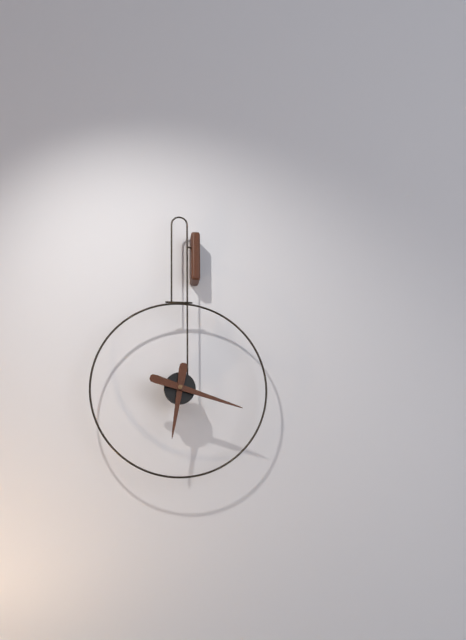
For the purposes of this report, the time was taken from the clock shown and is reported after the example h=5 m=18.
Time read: h=6 m=18
